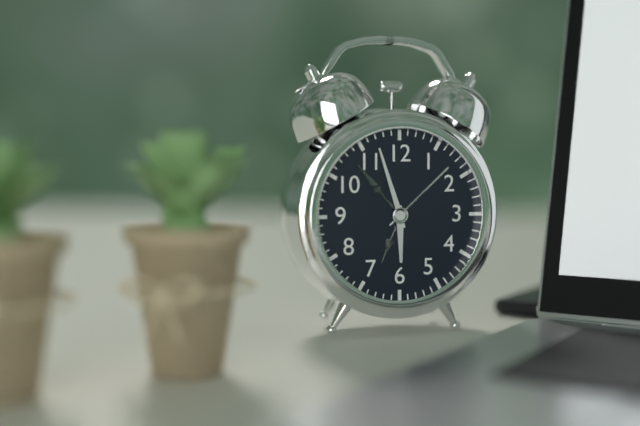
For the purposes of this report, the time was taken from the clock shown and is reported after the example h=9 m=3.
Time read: h=5 m=57
